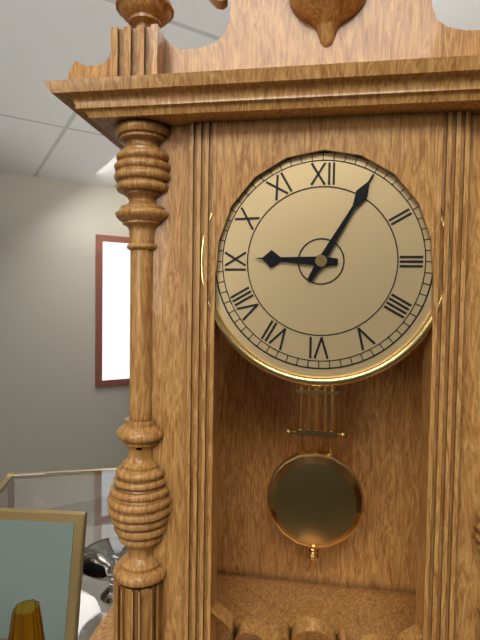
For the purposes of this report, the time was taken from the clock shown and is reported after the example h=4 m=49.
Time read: h=9 m=5
